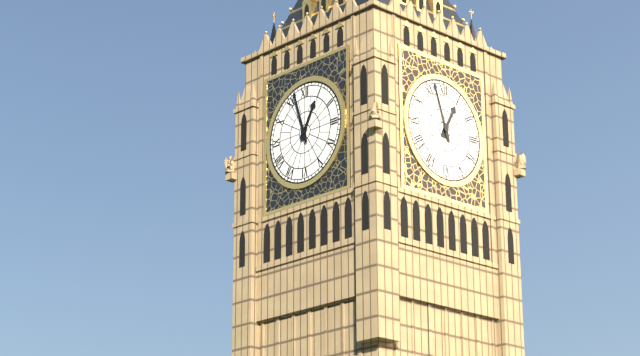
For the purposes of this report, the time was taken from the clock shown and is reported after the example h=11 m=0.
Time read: h=12 m=57
